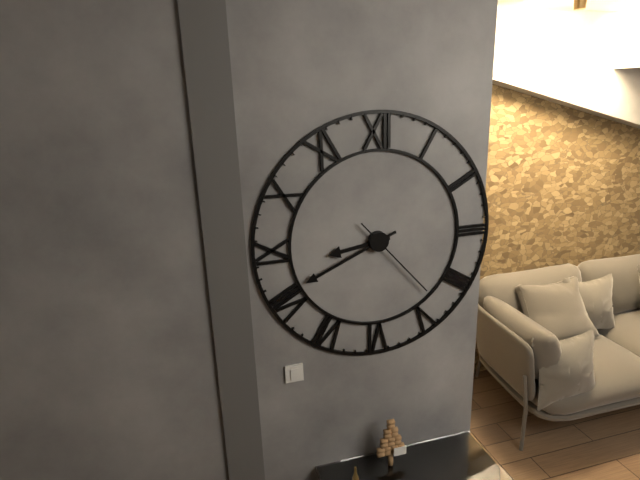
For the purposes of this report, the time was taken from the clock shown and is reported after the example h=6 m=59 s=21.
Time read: h=8 m=41 s=23
